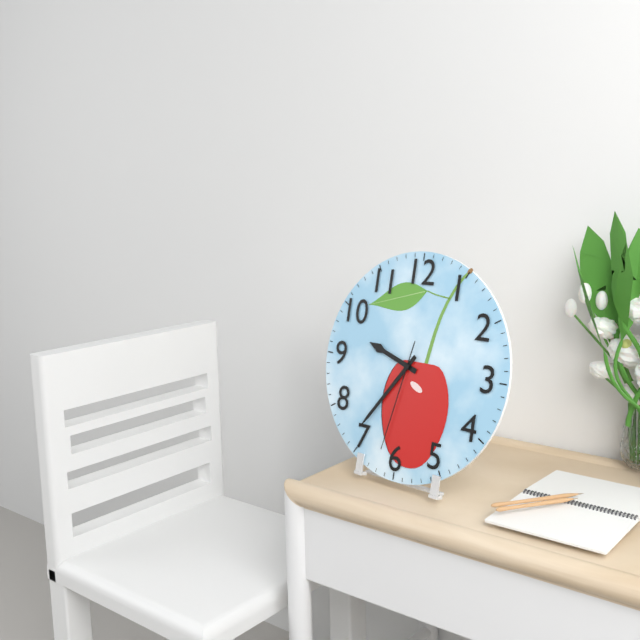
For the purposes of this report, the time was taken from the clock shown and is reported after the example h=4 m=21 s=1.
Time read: h=9 m=36 s=32
